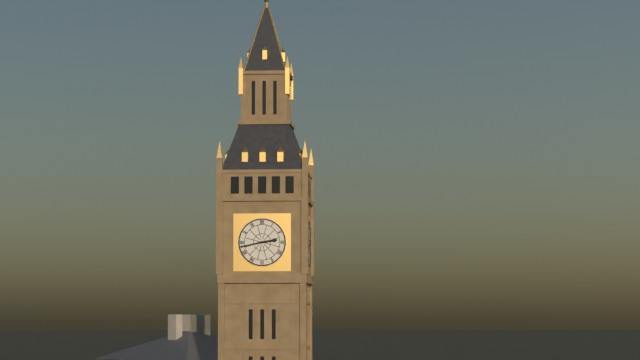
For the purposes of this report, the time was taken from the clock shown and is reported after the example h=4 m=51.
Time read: h=2 m=43
